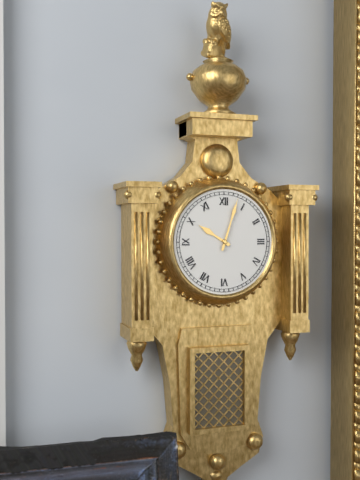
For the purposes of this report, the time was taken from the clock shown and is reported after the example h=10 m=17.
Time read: h=10 m=3
